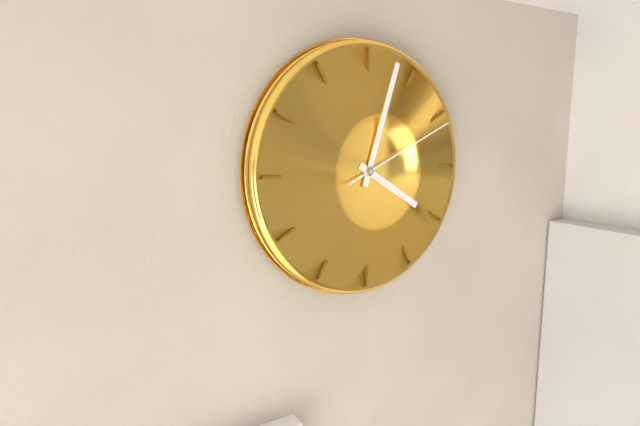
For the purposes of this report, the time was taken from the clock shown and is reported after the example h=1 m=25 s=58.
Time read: h=4 m=3 s=11
